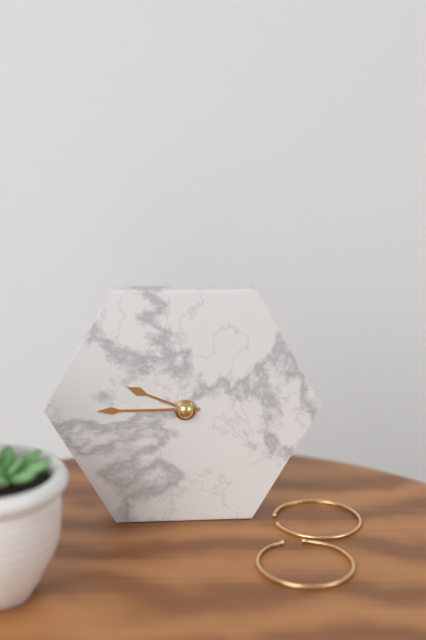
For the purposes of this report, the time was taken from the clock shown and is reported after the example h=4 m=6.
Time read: h=9 m=45
